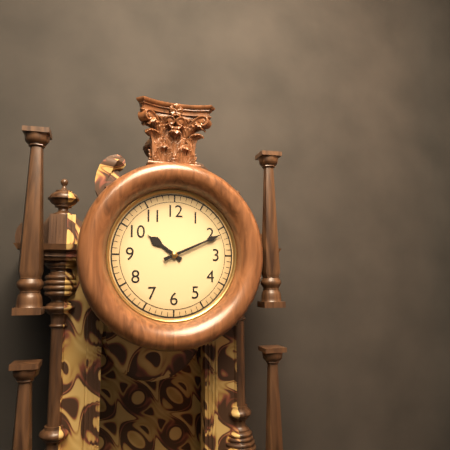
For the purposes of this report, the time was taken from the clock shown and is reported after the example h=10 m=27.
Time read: h=10 m=11
